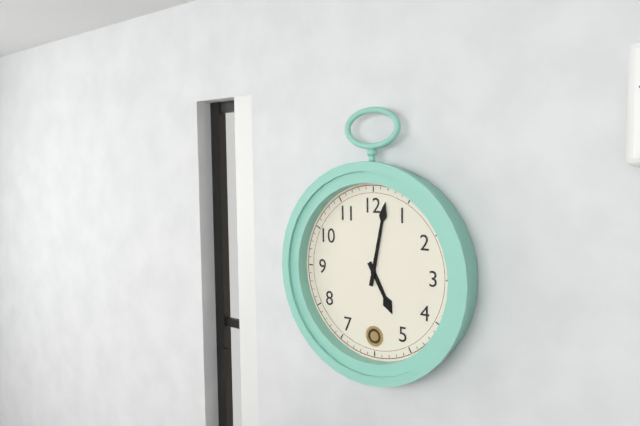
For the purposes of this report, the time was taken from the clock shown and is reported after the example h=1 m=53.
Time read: h=5 m=2
